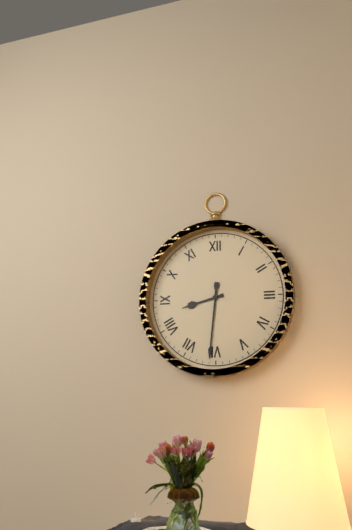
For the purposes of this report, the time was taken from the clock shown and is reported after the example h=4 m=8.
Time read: h=8 m=31
